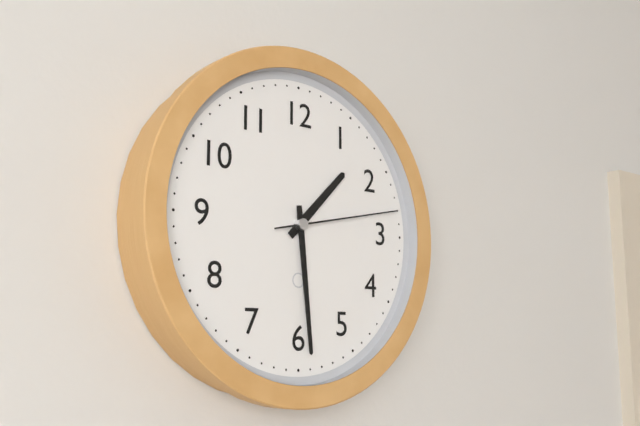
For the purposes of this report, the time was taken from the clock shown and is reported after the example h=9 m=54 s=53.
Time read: h=1 m=29 s=13
